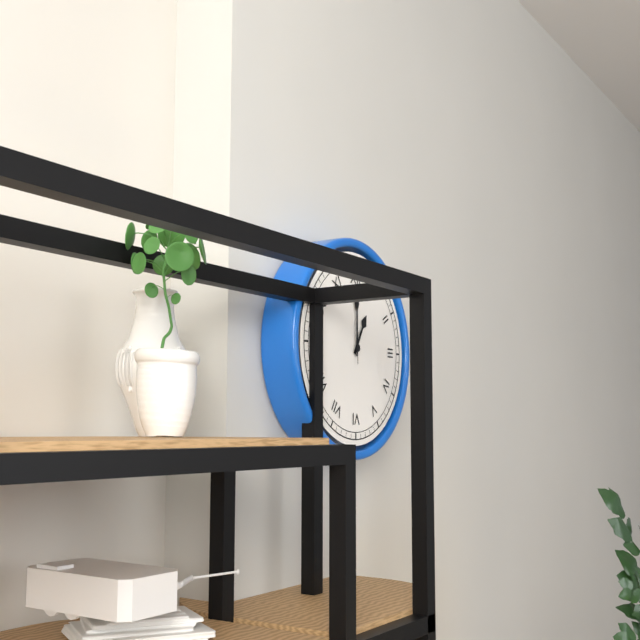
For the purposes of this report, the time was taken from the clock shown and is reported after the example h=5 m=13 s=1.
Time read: h=1 m=0 s=0
